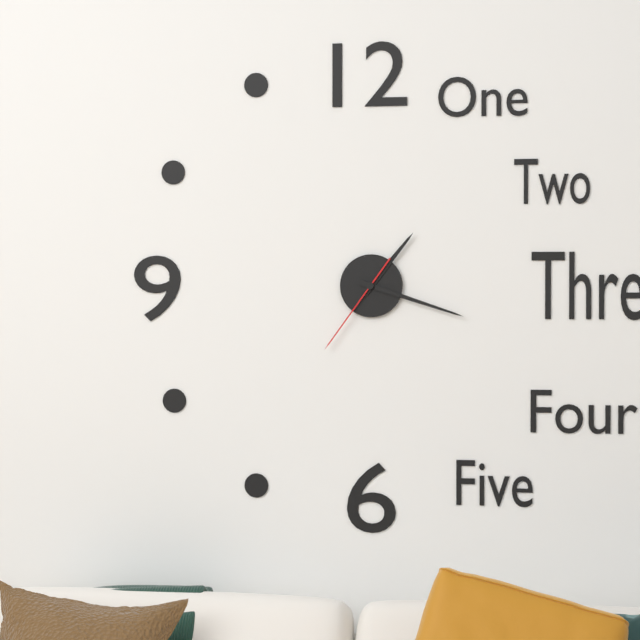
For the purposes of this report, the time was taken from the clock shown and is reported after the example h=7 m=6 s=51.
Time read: h=1 m=18 s=36
